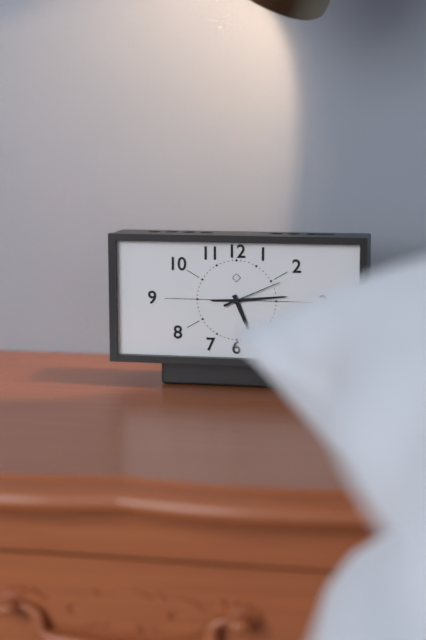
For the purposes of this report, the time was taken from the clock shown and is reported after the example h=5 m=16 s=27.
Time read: h=5 m=14 s=11
